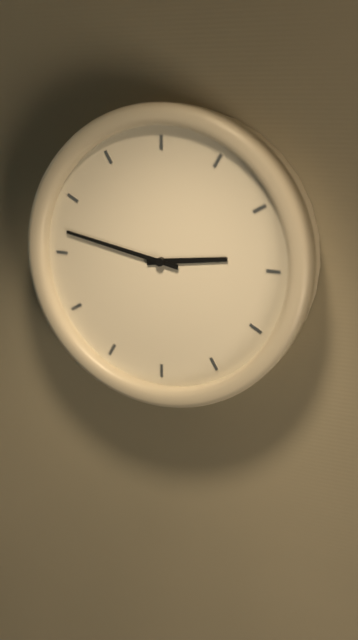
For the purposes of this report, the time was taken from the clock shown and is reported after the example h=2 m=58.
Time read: h=2 m=47
